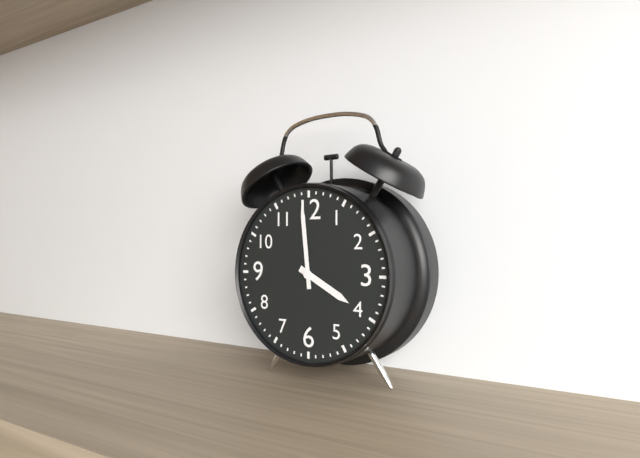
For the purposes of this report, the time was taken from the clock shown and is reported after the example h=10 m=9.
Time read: h=3 m=59
